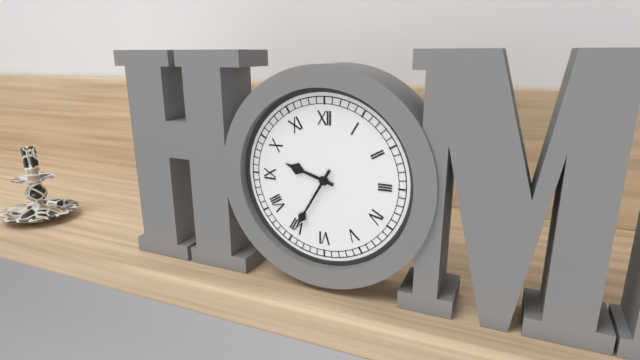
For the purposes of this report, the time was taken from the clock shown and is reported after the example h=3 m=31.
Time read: h=9 m=35
